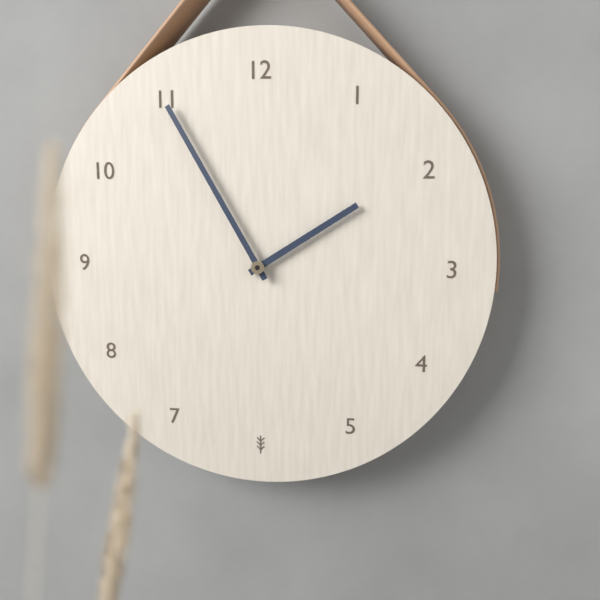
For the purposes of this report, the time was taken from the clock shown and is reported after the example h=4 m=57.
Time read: h=1 m=55
